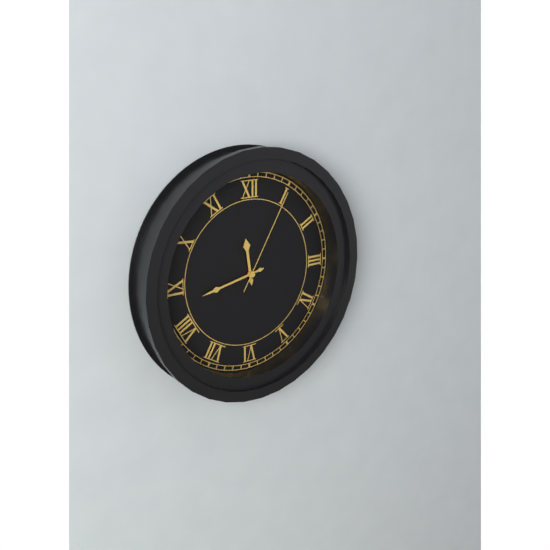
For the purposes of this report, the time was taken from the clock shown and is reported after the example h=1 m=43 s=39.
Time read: h=11 m=43 s=5
